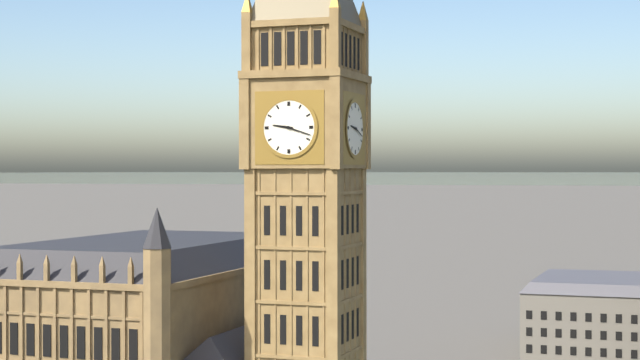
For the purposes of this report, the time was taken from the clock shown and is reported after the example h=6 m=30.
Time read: h=9 m=18
